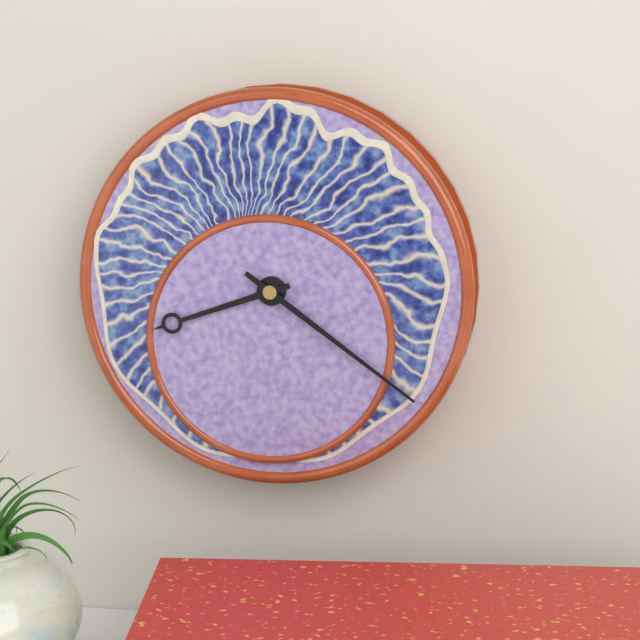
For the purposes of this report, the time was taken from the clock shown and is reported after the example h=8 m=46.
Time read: h=8 m=21
